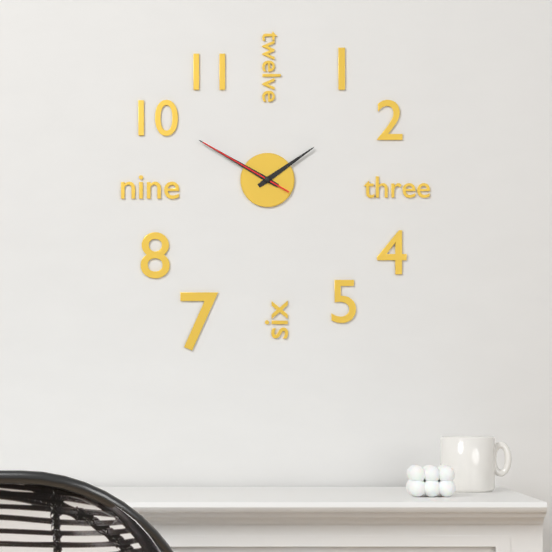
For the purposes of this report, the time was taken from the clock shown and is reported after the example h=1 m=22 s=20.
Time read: h=1 m=50 s=50
